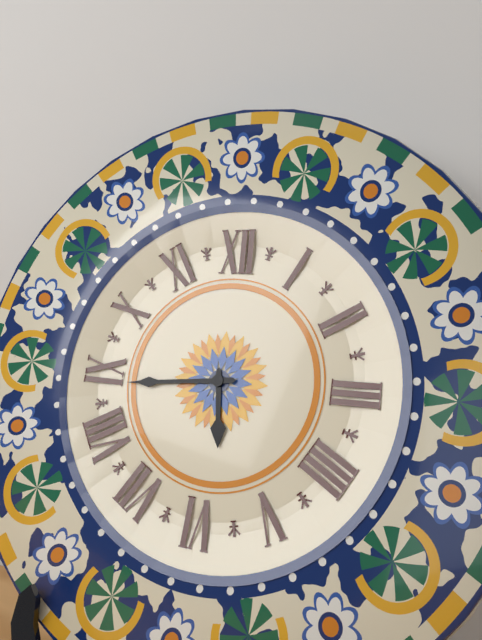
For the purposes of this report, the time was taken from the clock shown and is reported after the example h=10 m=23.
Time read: h=5 m=44
